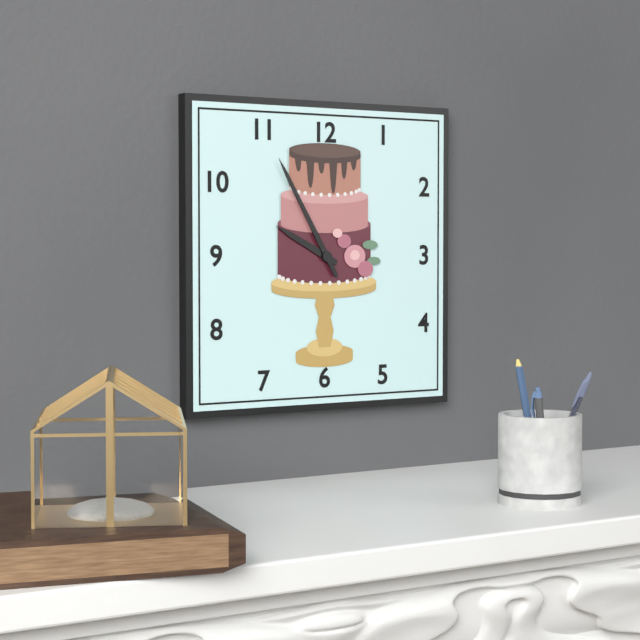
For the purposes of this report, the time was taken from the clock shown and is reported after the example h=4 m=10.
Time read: h=9 m=55
